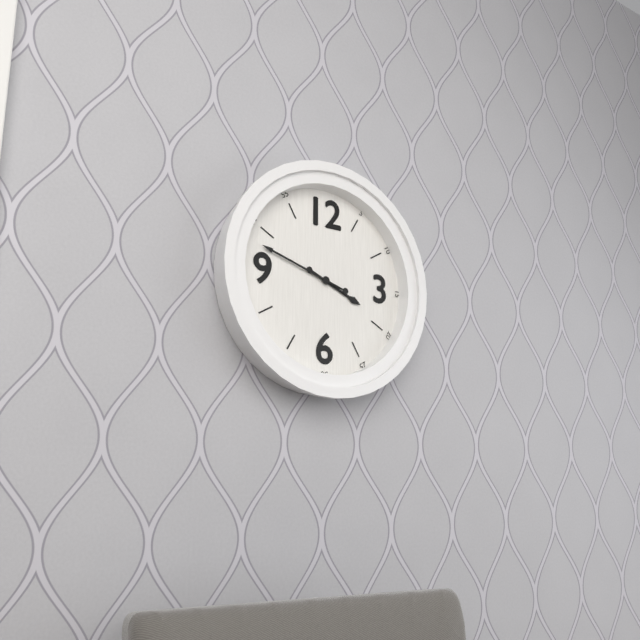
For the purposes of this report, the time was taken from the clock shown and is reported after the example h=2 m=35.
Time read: h=3 m=48
